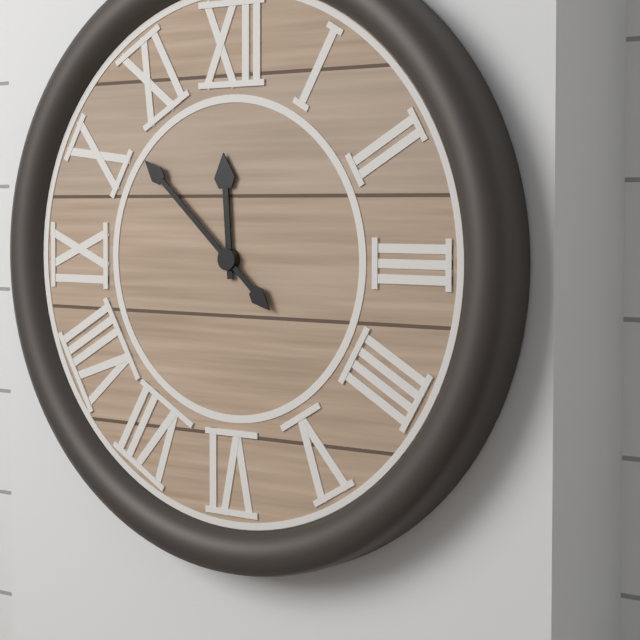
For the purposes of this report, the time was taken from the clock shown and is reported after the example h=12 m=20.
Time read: h=11 m=52
